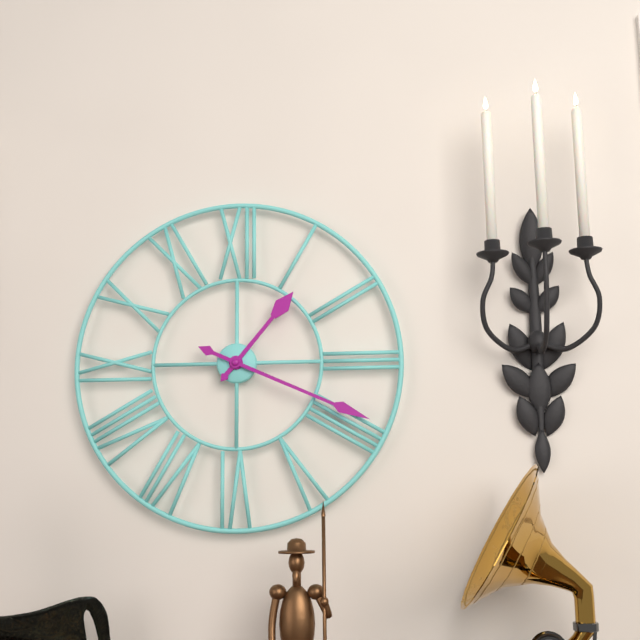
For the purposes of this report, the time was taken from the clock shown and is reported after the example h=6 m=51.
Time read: h=1 m=19
